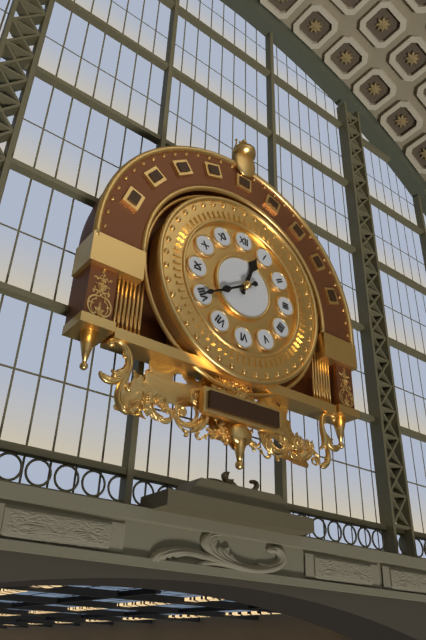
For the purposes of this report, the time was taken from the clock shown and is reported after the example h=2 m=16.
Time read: h=12 m=40
